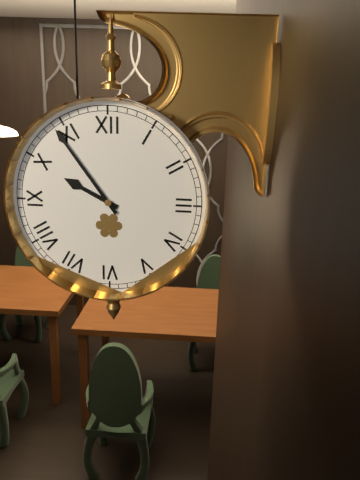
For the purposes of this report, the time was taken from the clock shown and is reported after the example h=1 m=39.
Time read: h=9 m=54
